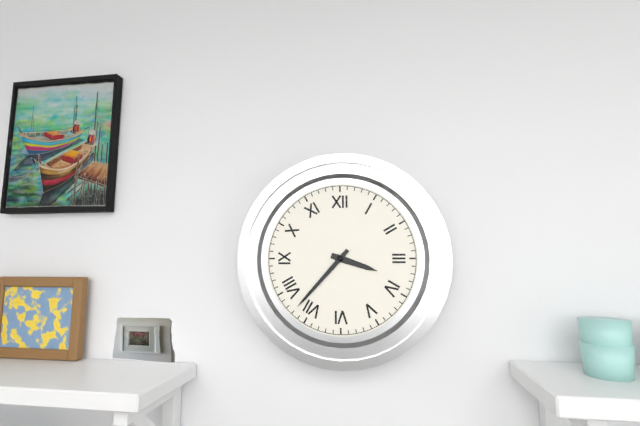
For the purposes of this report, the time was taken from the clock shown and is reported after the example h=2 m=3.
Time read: h=3 m=37
